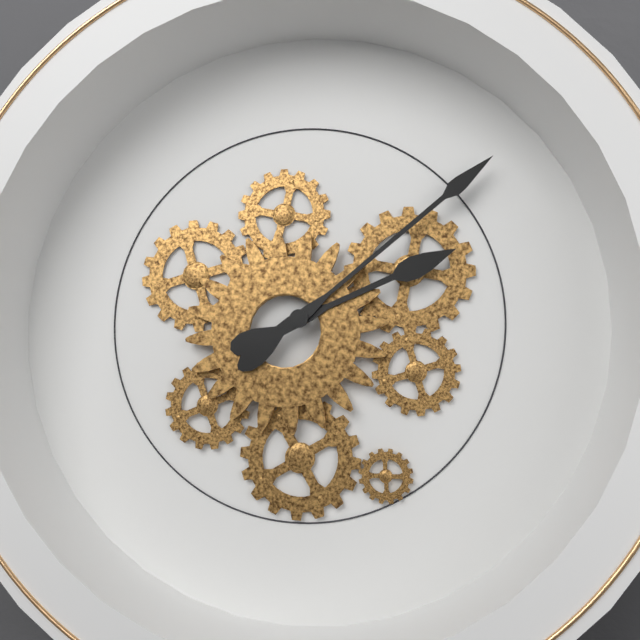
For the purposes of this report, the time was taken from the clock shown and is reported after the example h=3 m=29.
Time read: h=2 m=8
